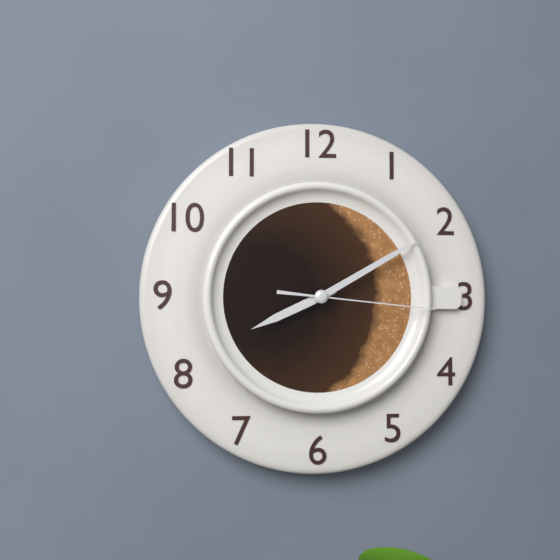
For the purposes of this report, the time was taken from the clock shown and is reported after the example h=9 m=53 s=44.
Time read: h=8 m=10 s=16
